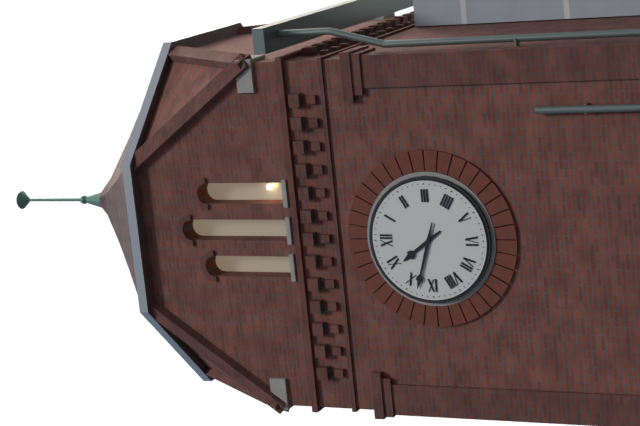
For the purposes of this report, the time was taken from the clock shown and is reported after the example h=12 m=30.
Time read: h=10 m=48
